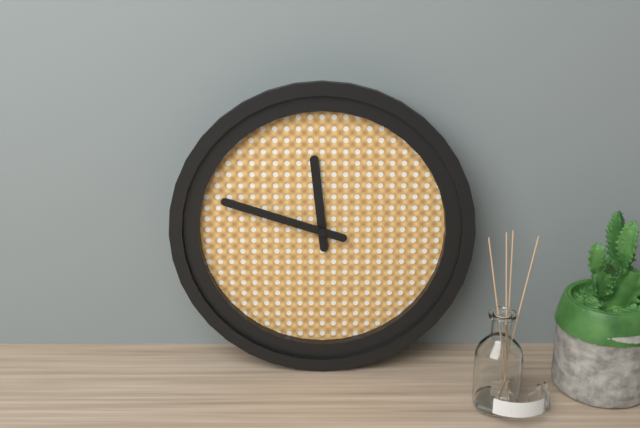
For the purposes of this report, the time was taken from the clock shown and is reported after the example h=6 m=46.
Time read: h=11 m=48
